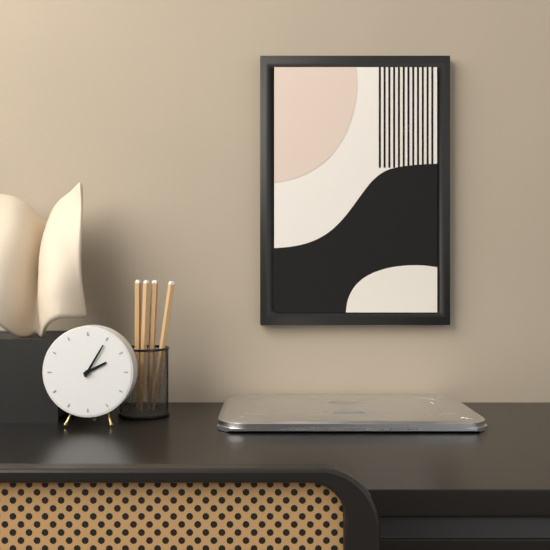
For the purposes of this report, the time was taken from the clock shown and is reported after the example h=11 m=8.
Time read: h=2 m=5
